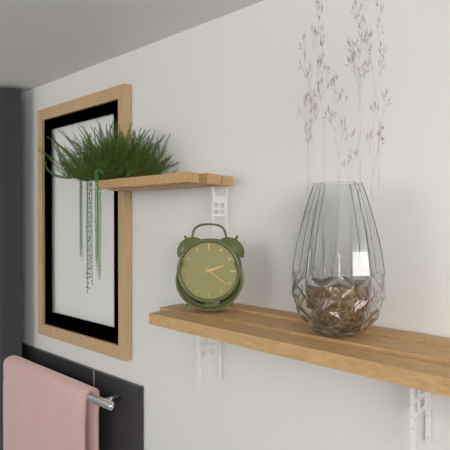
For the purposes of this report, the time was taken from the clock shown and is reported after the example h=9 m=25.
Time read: h=2 m=21
